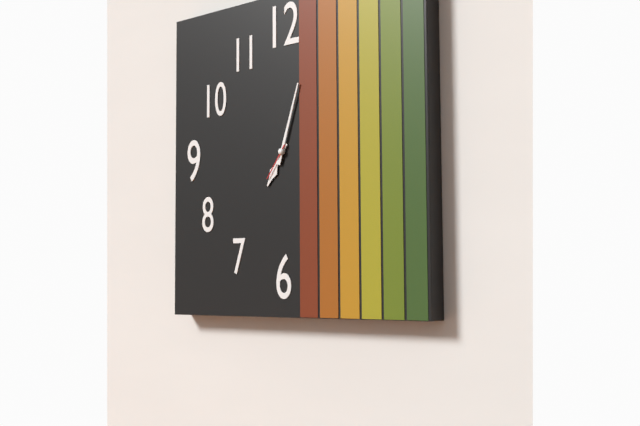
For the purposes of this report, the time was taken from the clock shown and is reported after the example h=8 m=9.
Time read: h=7 m=3
